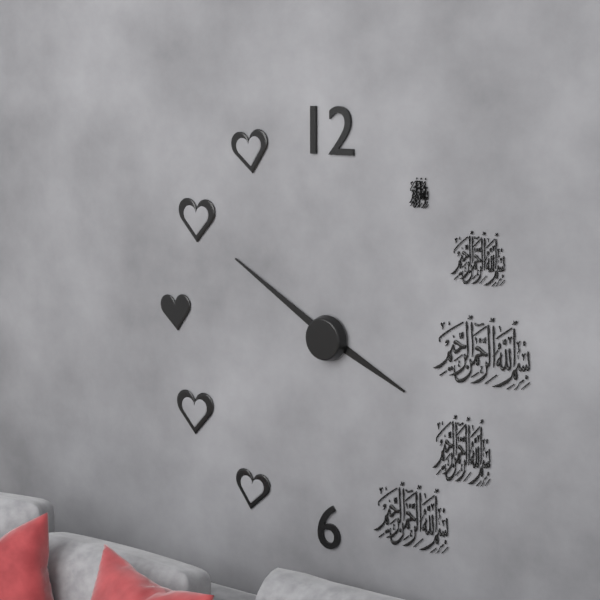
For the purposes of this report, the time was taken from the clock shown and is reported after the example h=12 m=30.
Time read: h=3 m=50
